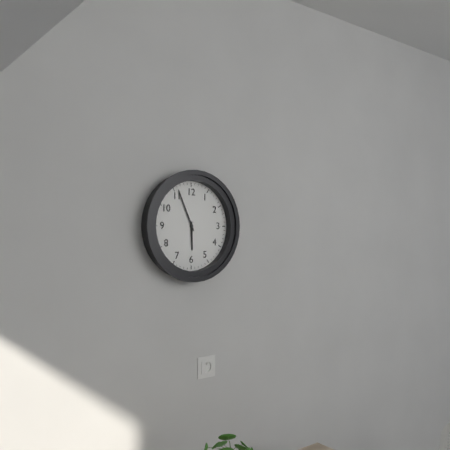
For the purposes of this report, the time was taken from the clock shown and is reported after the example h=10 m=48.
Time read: h=5 m=56
